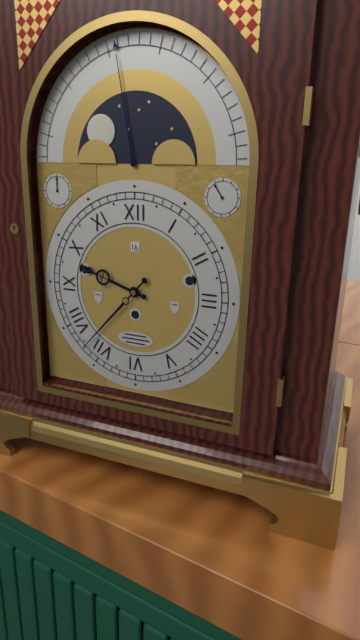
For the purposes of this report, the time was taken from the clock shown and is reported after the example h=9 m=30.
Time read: h=9 m=37
